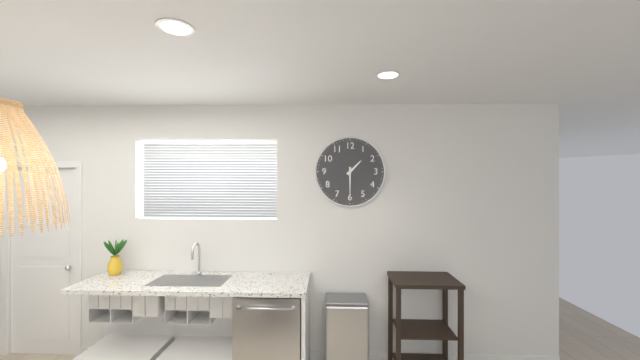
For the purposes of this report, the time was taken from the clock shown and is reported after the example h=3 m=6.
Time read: h=1 m=30
